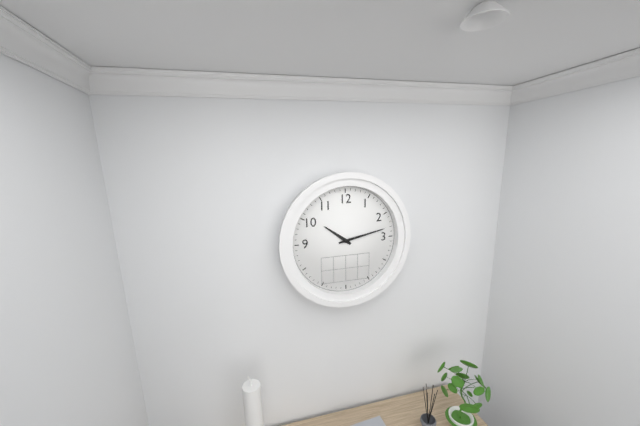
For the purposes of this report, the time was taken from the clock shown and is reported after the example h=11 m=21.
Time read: h=10 m=13
